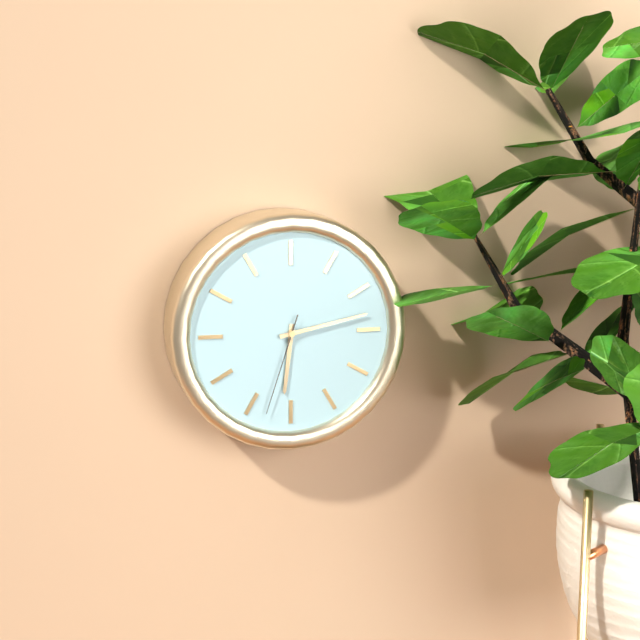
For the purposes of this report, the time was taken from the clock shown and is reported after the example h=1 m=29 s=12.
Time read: h=6 m=13 s=33
